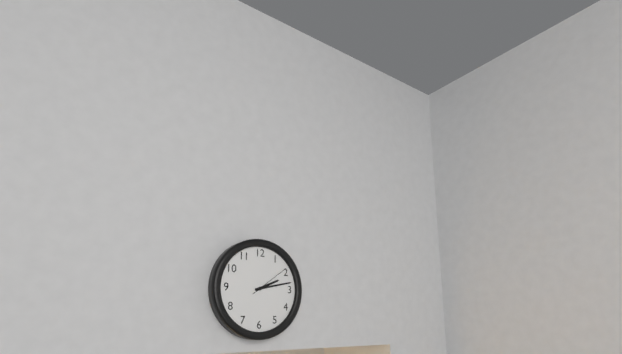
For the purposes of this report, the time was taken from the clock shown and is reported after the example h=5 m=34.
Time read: h=2 m=13
